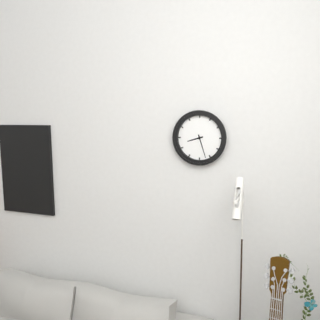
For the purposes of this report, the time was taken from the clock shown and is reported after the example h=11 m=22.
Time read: h=8 m=27
